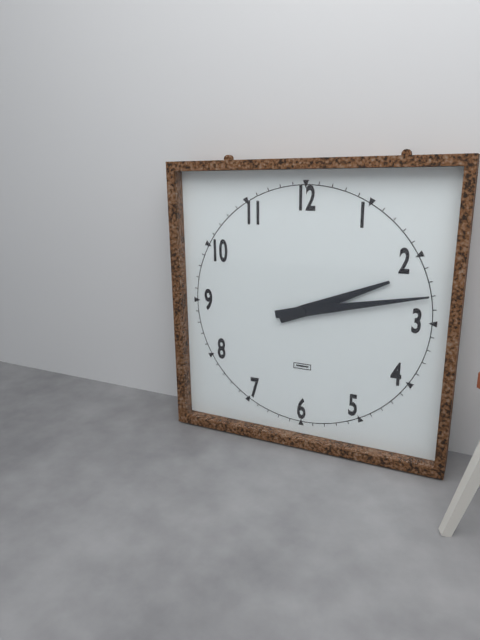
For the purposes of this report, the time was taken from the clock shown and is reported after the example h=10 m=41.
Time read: h=2 m=13
